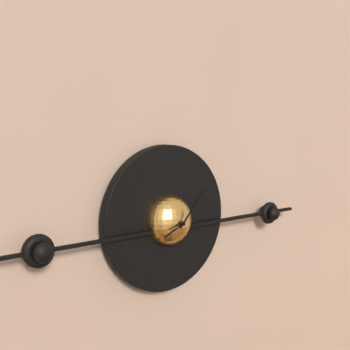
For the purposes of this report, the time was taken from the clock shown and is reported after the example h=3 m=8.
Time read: h=8 m=7
